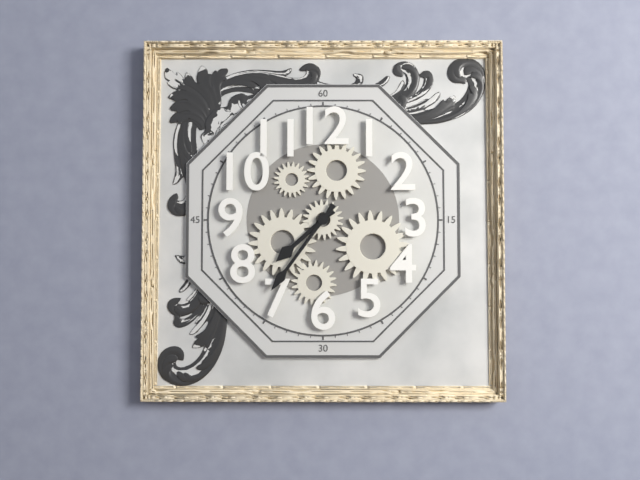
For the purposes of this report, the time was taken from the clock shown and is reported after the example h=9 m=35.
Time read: h=7 m=36
